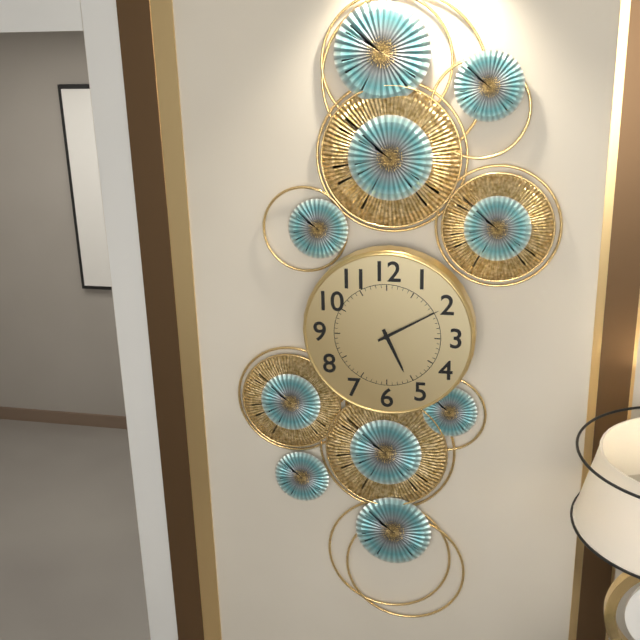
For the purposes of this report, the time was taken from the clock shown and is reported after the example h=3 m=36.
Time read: h=5 m=10
